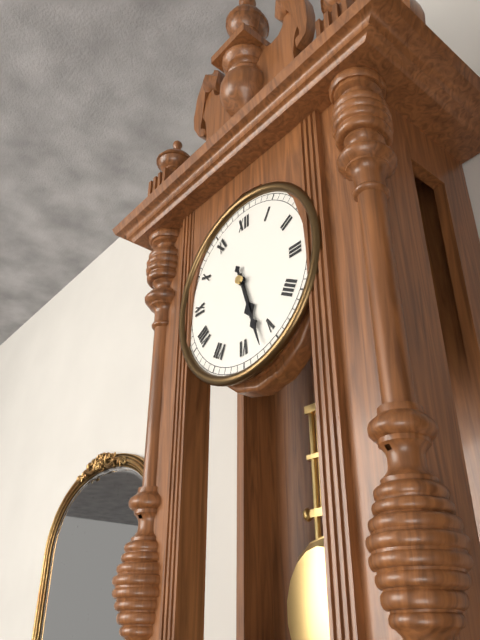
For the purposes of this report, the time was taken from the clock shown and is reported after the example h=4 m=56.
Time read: h=5 m=27
